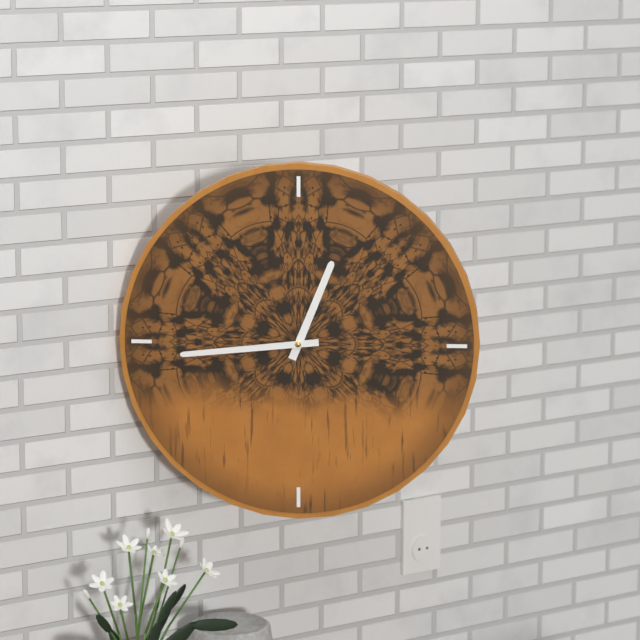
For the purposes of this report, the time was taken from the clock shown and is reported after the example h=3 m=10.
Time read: h=12 m=44
